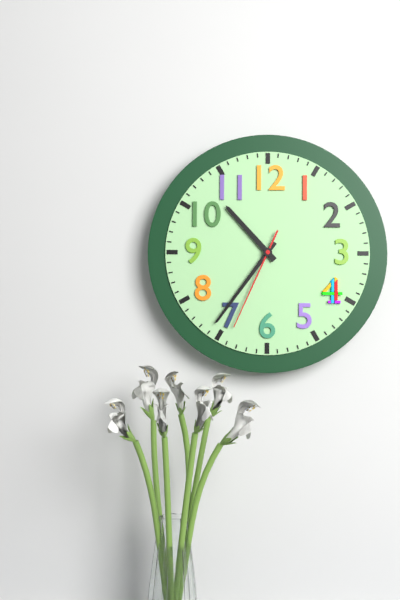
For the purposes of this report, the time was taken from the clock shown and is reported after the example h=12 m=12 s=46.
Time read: h=10 m=36 s=34
